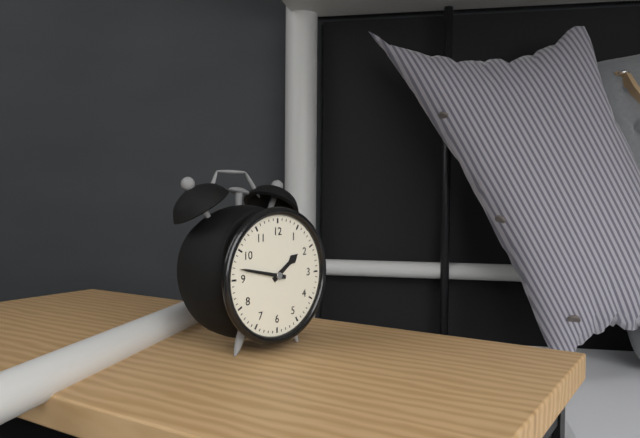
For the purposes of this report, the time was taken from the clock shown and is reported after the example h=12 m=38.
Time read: h=1 m=47
